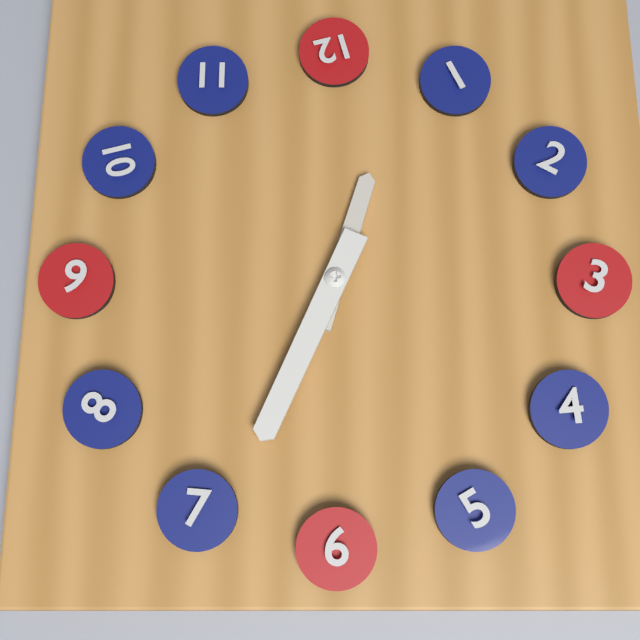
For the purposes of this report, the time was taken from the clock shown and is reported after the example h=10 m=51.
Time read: h=12 m=34
